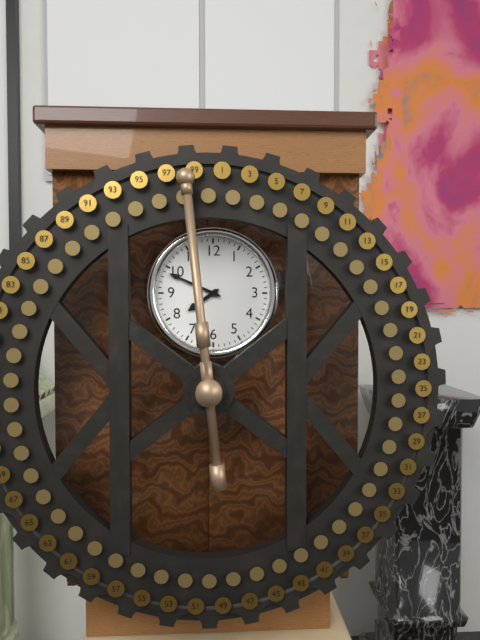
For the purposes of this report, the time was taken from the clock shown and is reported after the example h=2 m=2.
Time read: h=7 m=49
